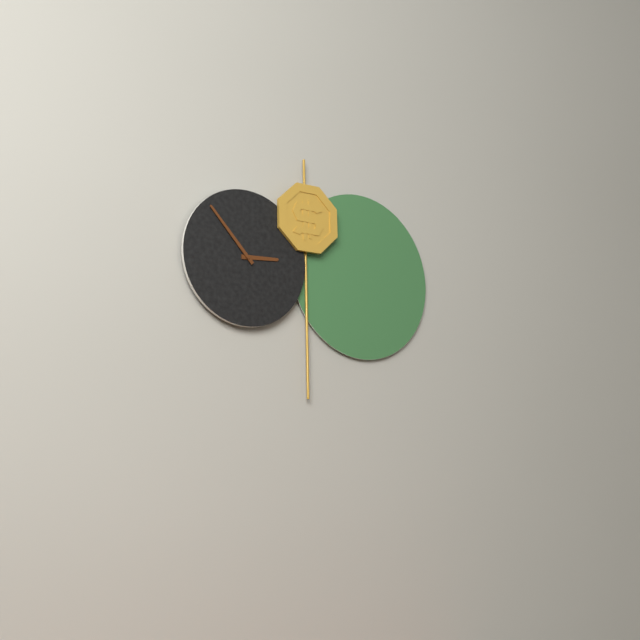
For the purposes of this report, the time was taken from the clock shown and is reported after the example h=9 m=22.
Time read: h=2 m=53
